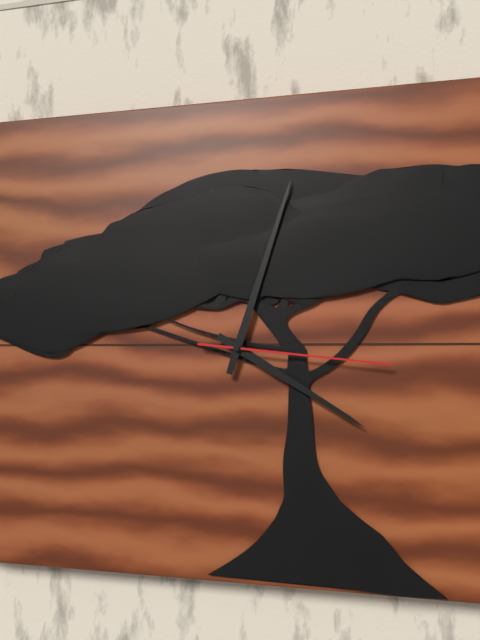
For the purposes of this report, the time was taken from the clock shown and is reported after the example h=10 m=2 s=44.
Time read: h=4 m=3 s=16
